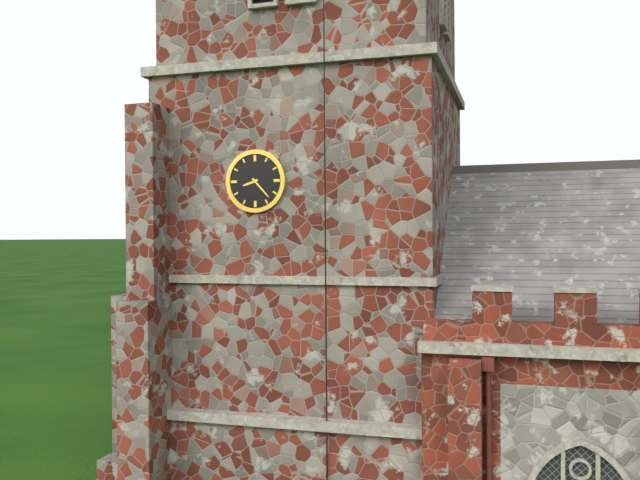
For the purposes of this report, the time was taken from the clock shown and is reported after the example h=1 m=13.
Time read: h=8 m=23
